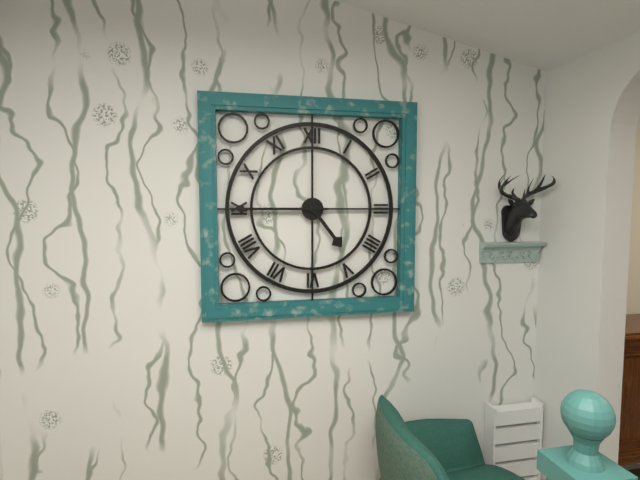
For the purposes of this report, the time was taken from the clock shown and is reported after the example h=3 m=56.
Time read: h=4 m=45
